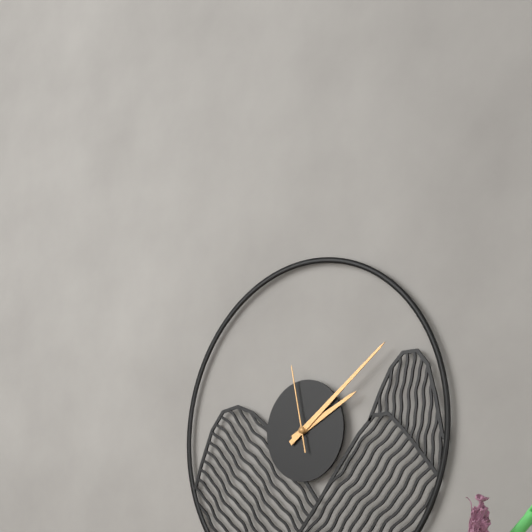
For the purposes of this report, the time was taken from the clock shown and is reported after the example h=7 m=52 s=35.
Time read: h=2 m=9 s=58
